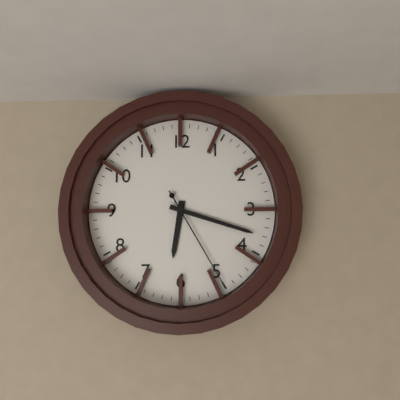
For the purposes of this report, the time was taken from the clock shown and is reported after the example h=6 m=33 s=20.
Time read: h=6 m=18 s=25
